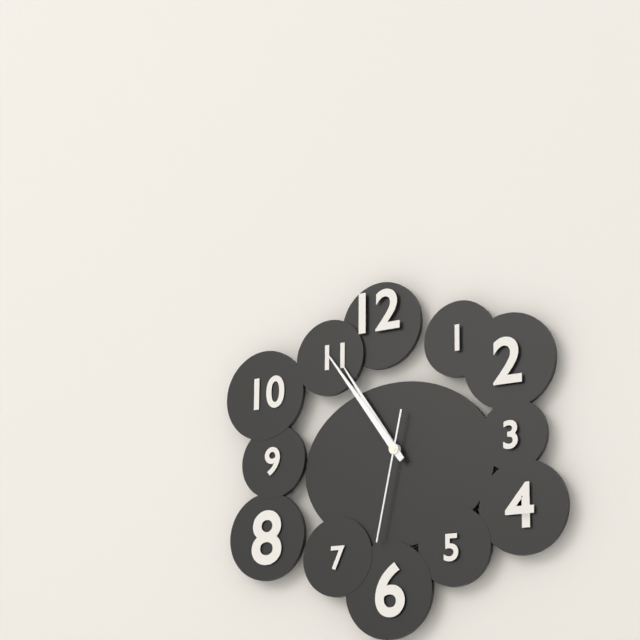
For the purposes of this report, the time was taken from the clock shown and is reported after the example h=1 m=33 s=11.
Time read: h=10 m=54 s=32
